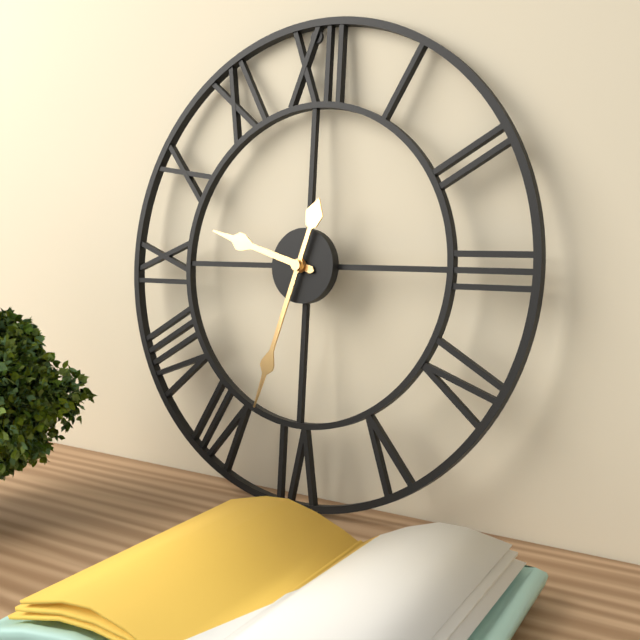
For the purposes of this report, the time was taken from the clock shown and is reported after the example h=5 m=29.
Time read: h=9 m=33
